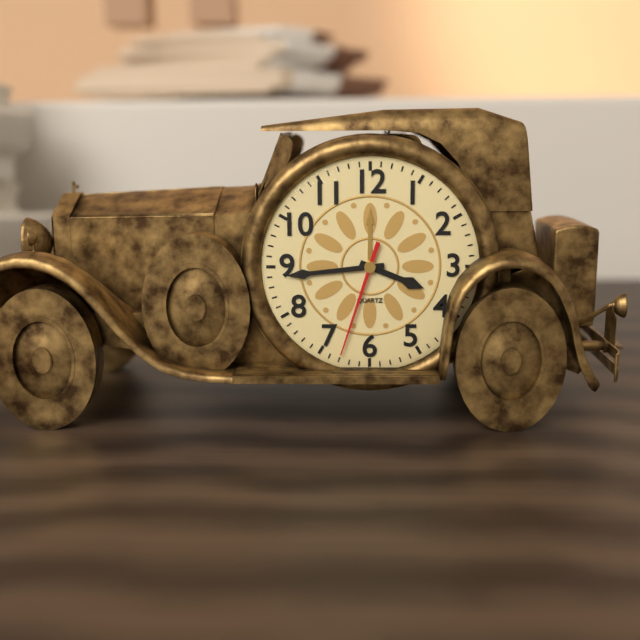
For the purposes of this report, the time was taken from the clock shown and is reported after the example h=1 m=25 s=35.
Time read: h=3 m=44 s=33
